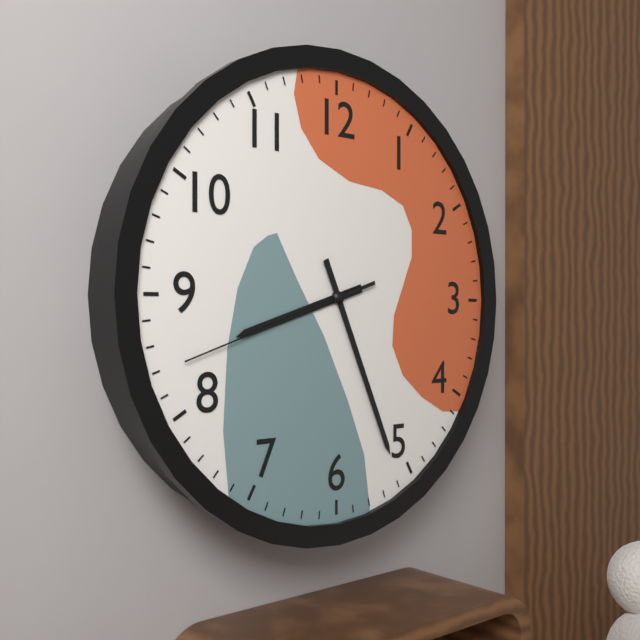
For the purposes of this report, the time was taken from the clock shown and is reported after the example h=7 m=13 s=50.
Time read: h=8 m=26 s=42
